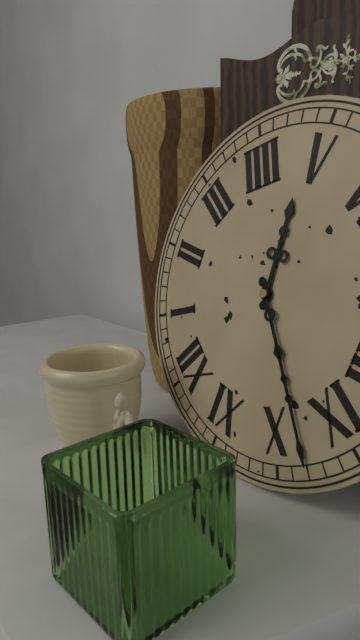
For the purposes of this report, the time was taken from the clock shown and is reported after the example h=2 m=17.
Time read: h=4 m=48
